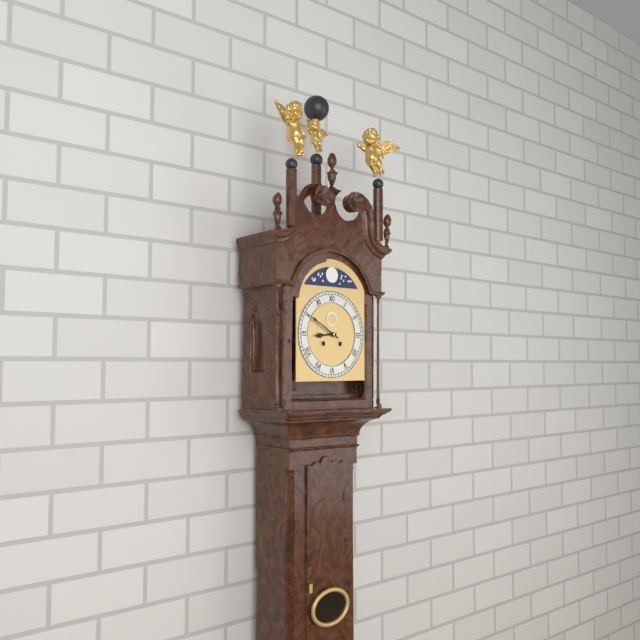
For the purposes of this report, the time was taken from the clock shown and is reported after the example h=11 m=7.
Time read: h=8 m=50
